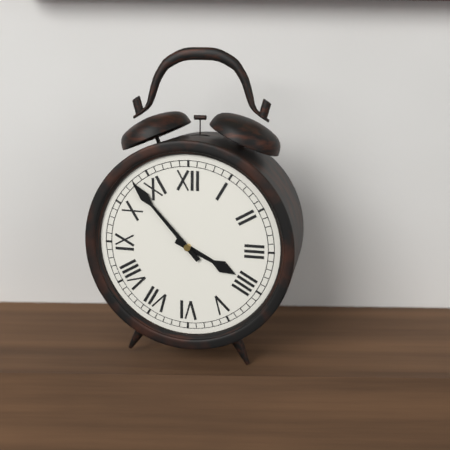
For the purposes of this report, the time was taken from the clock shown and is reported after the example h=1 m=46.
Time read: h=3 m=53
